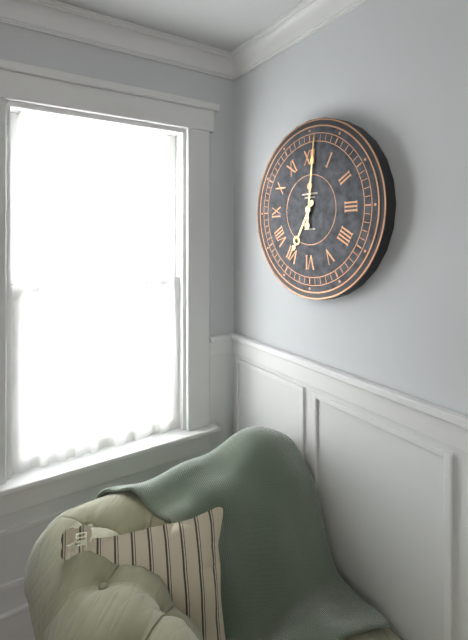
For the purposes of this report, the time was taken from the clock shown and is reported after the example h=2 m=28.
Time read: h=7 m=1
